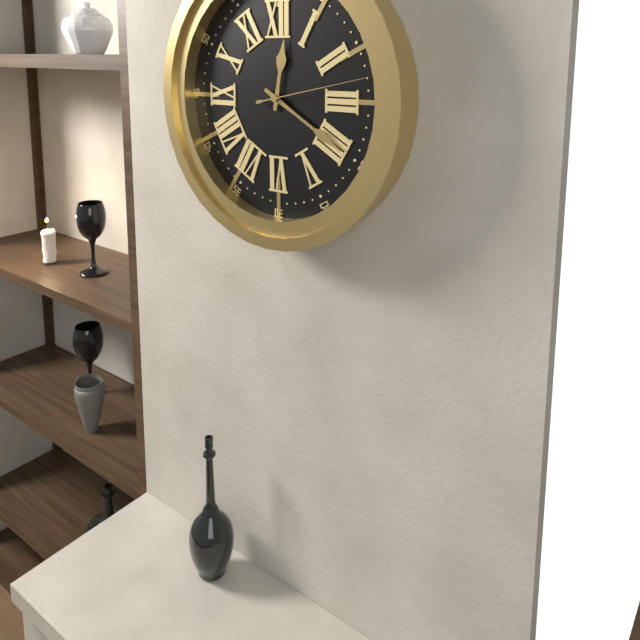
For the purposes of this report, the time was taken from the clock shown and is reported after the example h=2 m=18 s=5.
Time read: h=12 m=20 s=13
